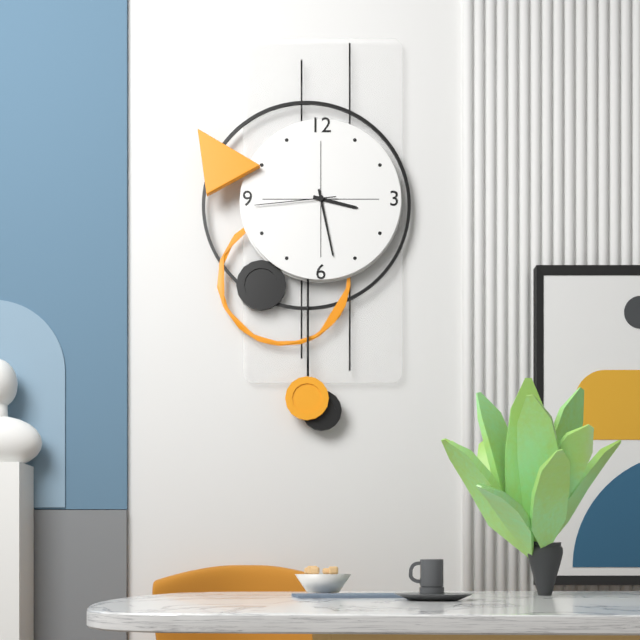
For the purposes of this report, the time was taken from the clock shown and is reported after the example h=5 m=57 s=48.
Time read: h=3 m=28 s=44
